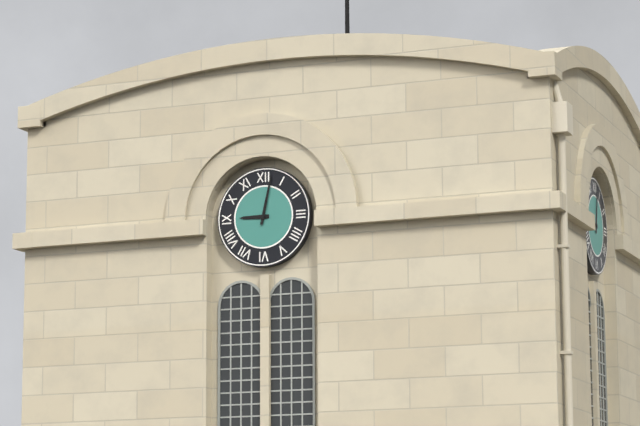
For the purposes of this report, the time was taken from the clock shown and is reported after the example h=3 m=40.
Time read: h=9 m=2
